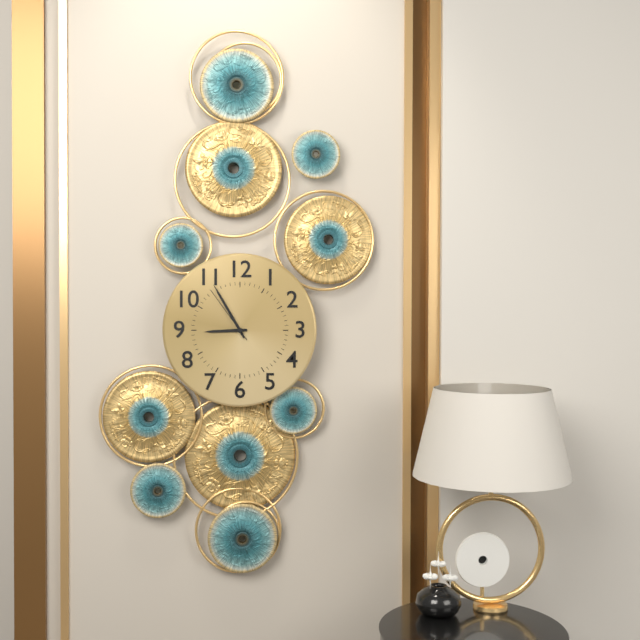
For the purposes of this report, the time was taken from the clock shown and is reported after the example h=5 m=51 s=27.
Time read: h=8 m=55 s=54
